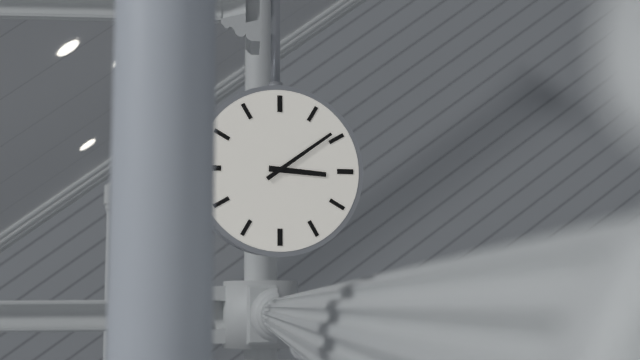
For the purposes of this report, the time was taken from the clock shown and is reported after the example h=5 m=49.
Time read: h=3 m=9
